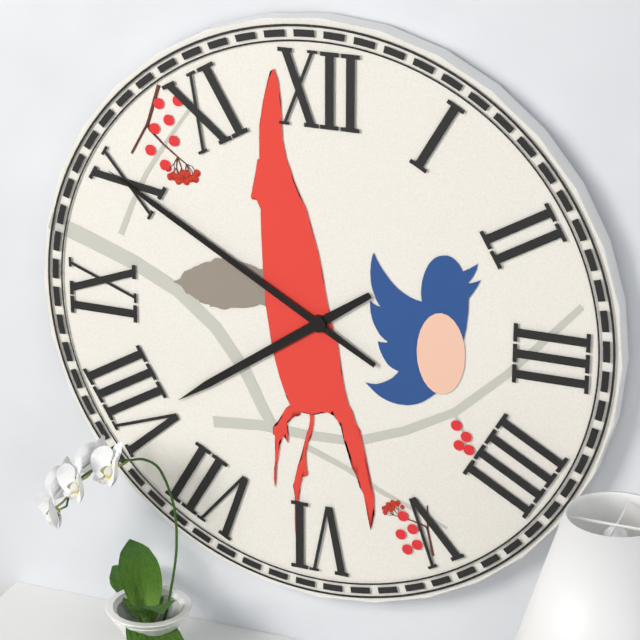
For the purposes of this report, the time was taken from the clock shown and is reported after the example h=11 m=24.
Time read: h=7 m=50
